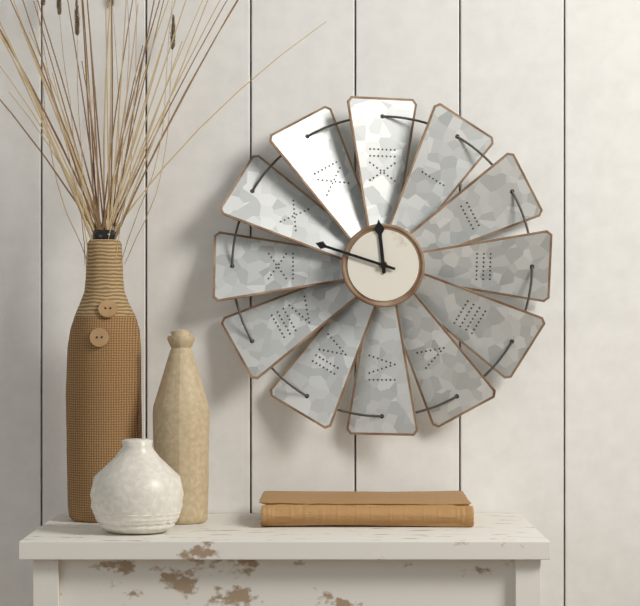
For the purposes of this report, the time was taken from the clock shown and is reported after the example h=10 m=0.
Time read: h=11 m=48
